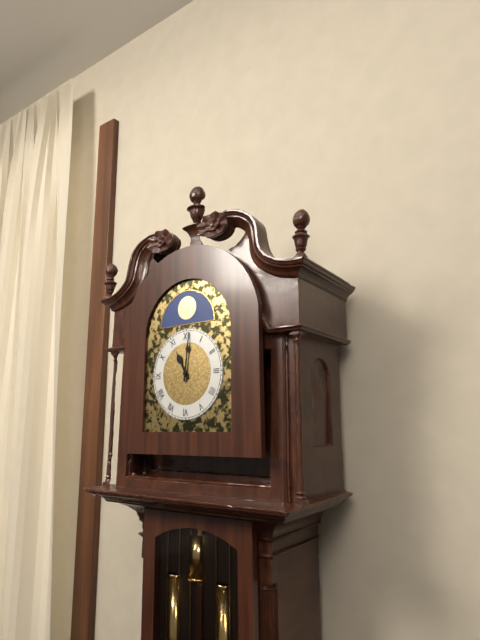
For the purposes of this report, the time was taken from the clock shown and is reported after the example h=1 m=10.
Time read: h=11 m=1
